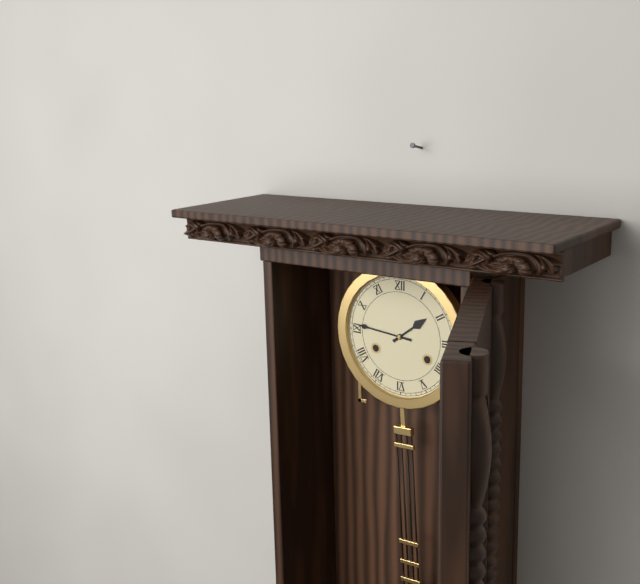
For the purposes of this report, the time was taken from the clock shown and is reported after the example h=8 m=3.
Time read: h=1 m=46
